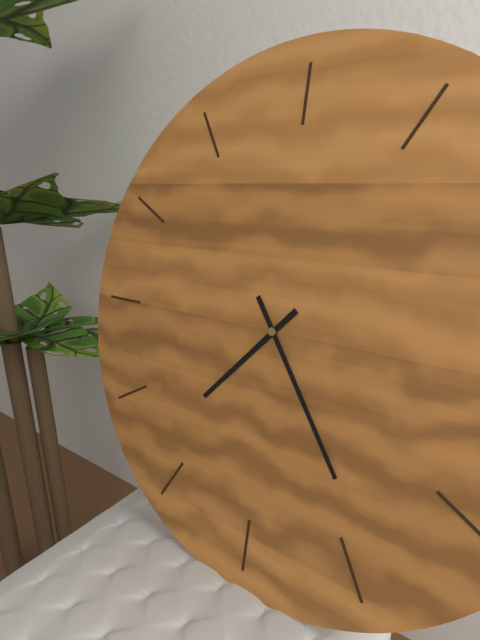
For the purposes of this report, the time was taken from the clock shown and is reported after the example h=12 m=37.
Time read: h=7 m=24
